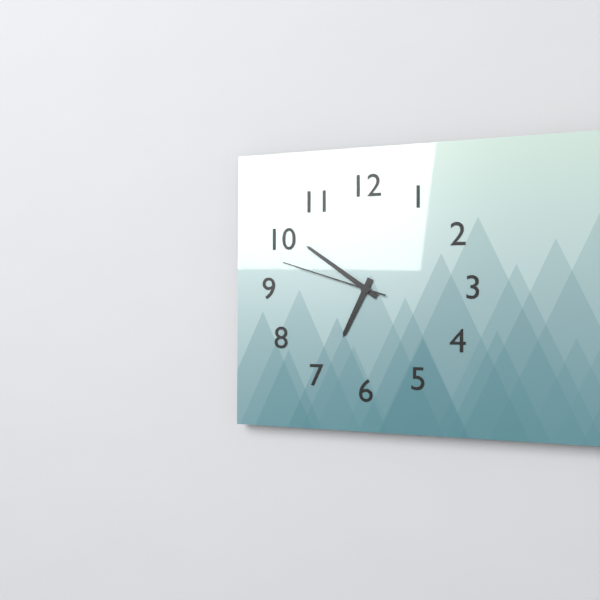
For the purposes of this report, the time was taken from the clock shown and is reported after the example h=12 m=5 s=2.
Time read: h=6 m=51 s=48
